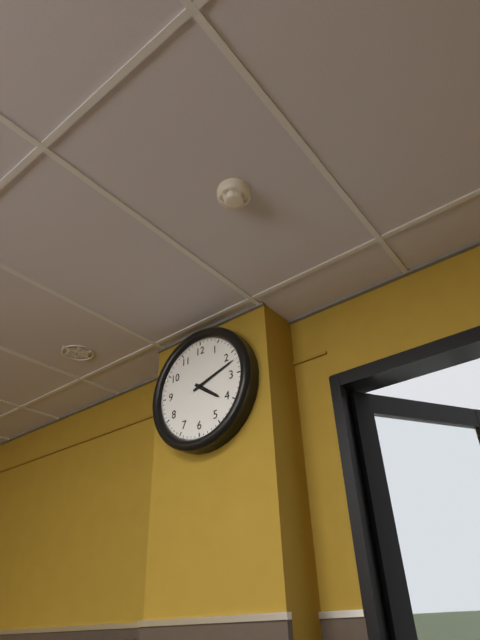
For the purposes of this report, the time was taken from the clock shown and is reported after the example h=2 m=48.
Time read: h=4 m=12
